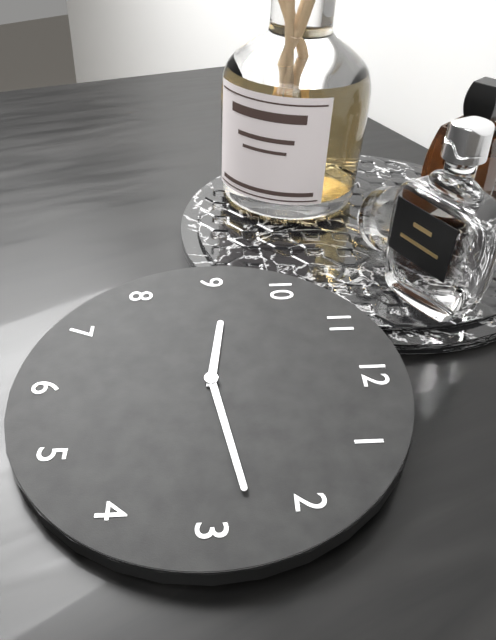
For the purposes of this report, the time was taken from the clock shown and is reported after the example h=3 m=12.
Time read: h=9 m=13
